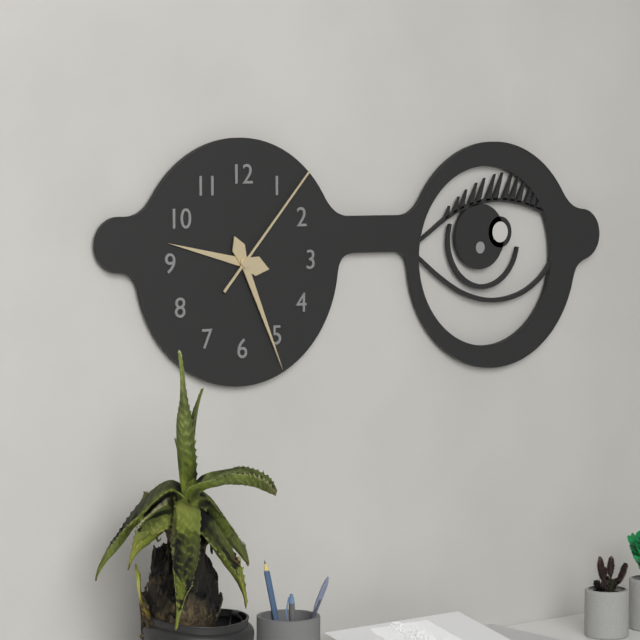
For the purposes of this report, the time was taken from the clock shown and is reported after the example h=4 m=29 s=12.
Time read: h=9 m=26 s=7
